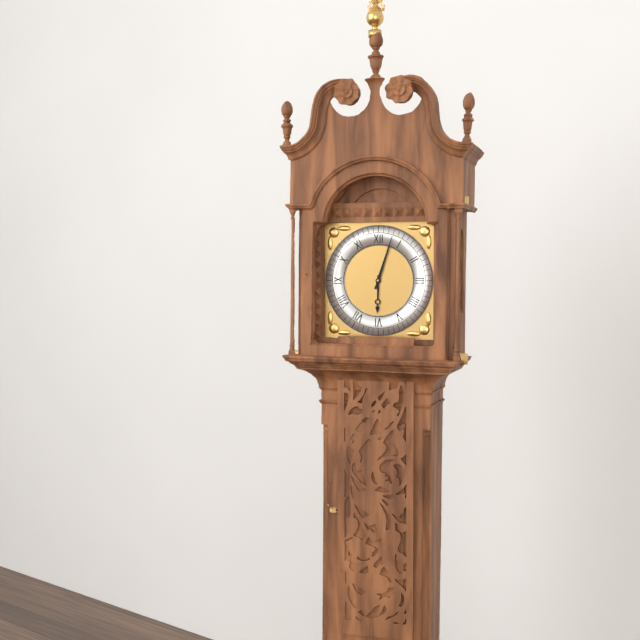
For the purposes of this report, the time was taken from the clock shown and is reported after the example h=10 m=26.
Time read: h=6 m=3
